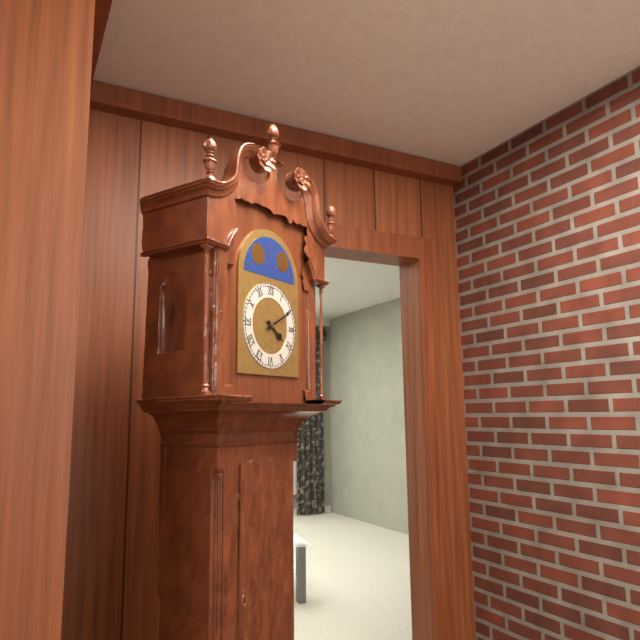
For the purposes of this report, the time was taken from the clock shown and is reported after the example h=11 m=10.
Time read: h=4 m=10
